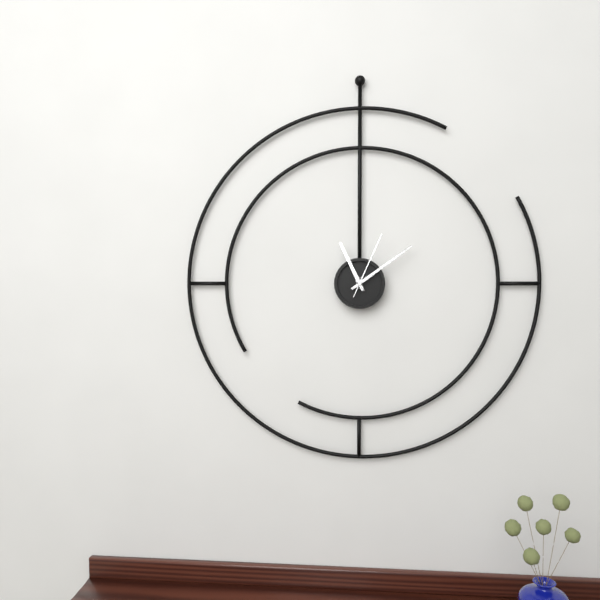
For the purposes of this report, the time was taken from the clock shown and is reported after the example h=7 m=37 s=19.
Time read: h=11 m=9 s=4
